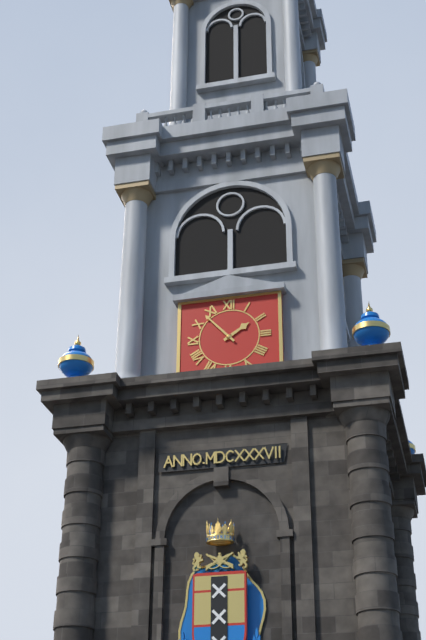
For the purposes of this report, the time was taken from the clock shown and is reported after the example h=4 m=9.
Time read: h=1 m=53
